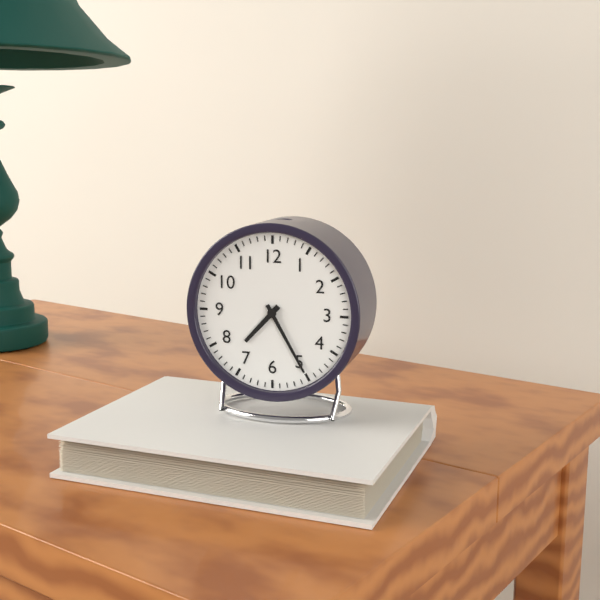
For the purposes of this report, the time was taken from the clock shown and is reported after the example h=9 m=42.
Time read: h=7 m=25
